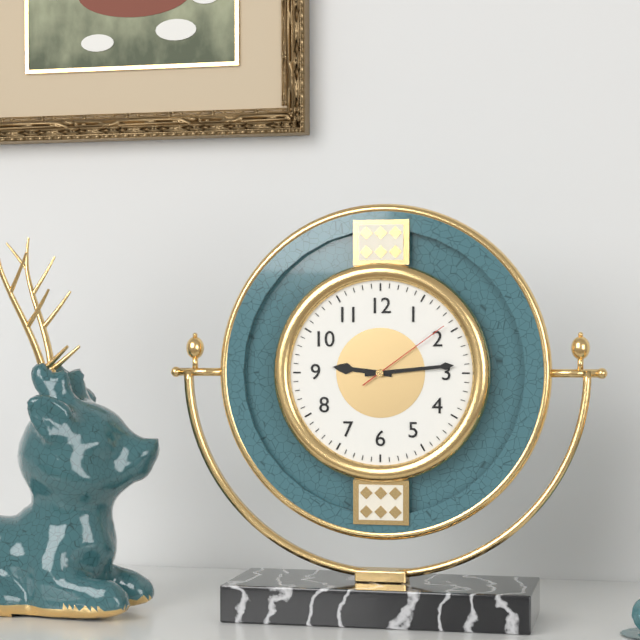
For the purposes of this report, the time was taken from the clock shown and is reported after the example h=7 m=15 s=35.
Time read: h=9 m=14 s=9
